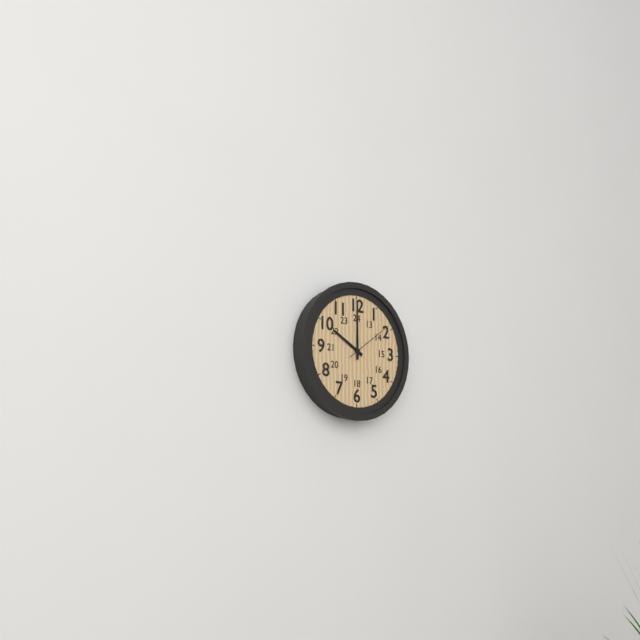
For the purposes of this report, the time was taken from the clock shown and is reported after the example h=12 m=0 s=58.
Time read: h=10 m=0 s=9
